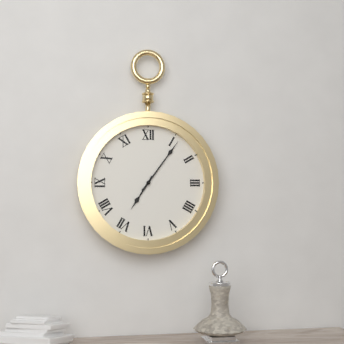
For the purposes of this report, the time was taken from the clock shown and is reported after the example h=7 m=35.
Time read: h=7 m=6
